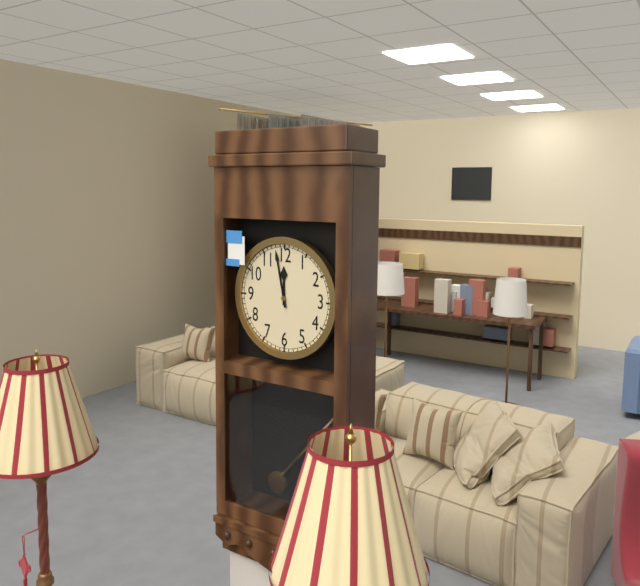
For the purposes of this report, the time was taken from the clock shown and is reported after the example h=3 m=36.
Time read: h=11 m=58
